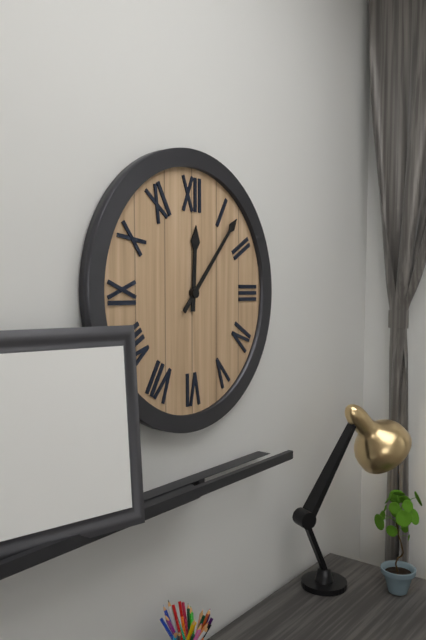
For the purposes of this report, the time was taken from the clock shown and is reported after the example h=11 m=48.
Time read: h=12 m=7
